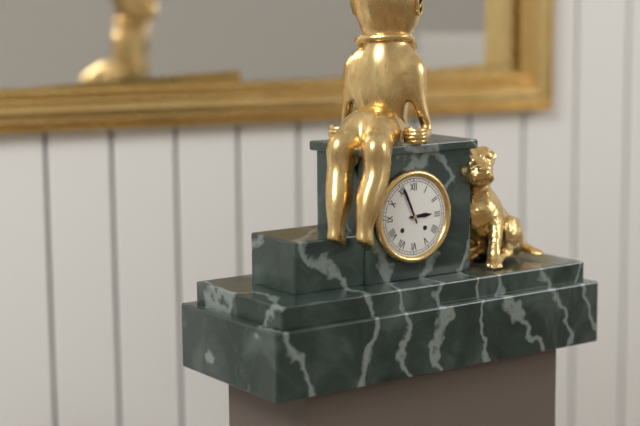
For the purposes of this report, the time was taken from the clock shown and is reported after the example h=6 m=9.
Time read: h=2 m=56
